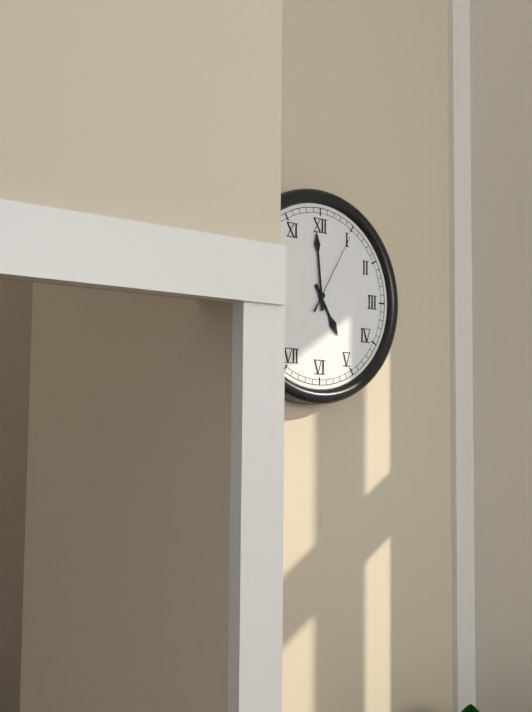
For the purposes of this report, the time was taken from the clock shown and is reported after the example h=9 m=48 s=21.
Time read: h=4 m=59 s=5
